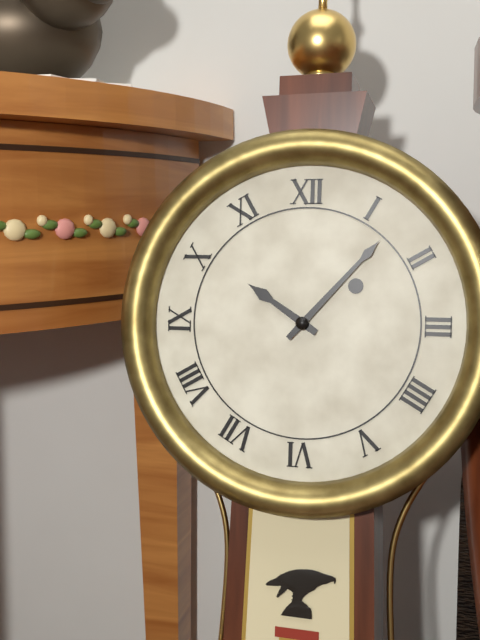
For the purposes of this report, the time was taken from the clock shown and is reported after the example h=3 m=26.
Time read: h=10 m=7
